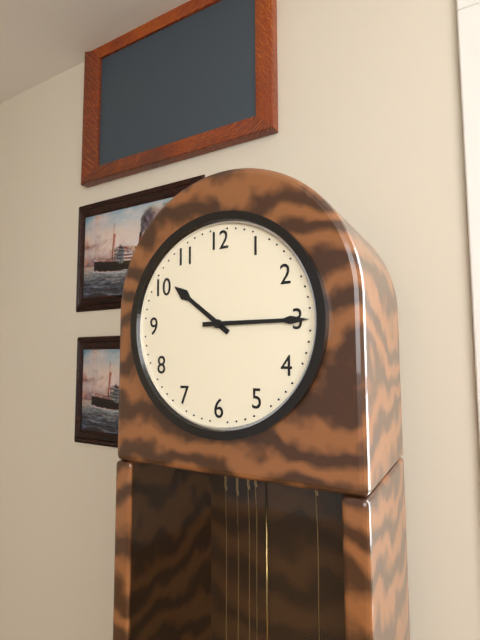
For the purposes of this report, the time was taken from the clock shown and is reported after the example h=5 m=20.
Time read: h=10 m=15
